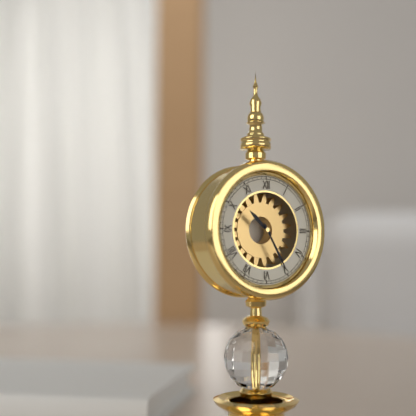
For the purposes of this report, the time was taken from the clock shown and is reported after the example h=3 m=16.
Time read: h=10 m=25
